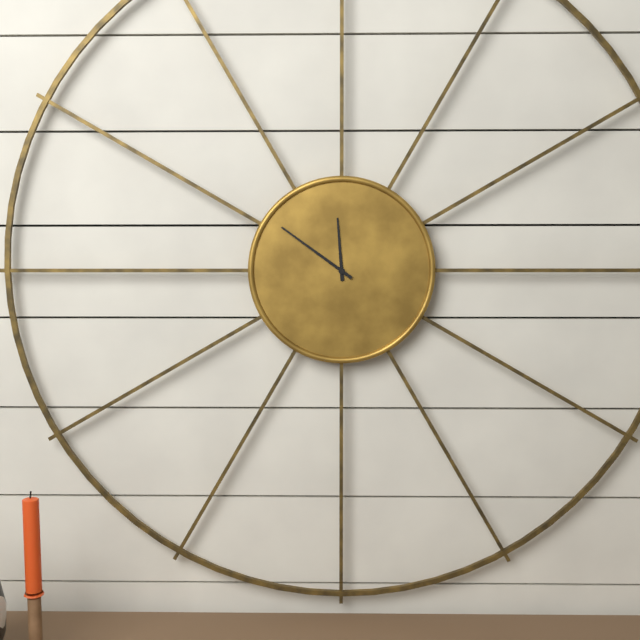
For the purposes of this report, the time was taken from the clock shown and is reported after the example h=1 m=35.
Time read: h=11 m=51
